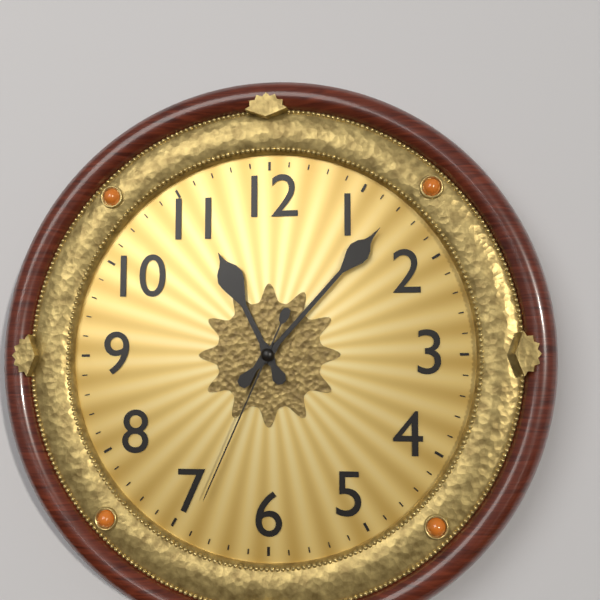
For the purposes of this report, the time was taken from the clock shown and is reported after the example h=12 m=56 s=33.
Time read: h=11 m=7 s=34
